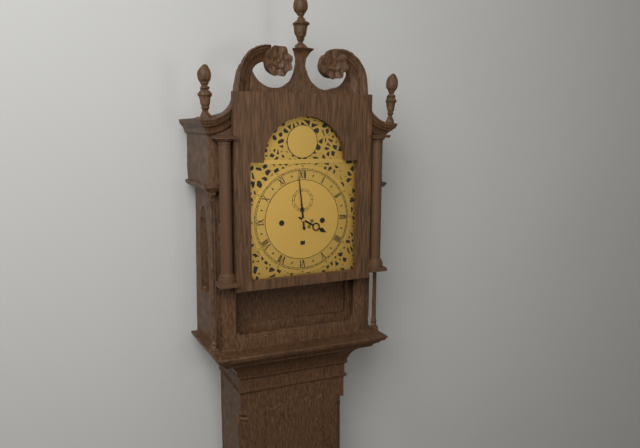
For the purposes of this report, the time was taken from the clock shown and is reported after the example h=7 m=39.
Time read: h=3 m=59
